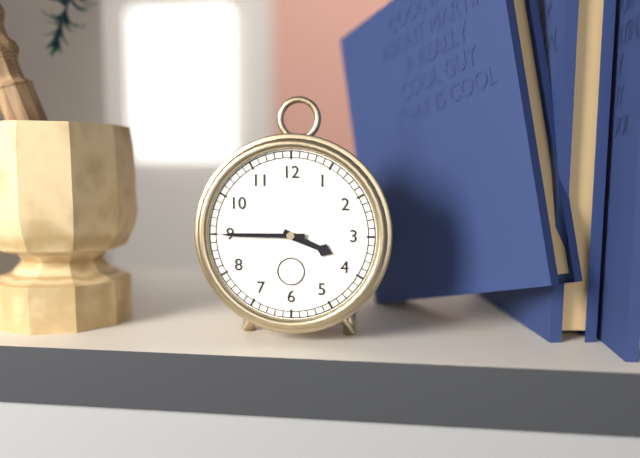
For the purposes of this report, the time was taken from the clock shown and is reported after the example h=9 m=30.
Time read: h=3 m=45
